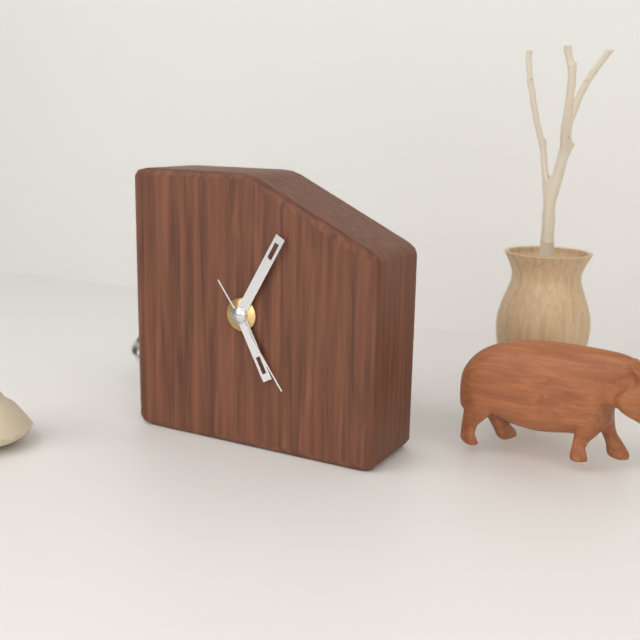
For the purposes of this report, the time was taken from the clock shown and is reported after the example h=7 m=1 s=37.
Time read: h=5 m=5 s=24
